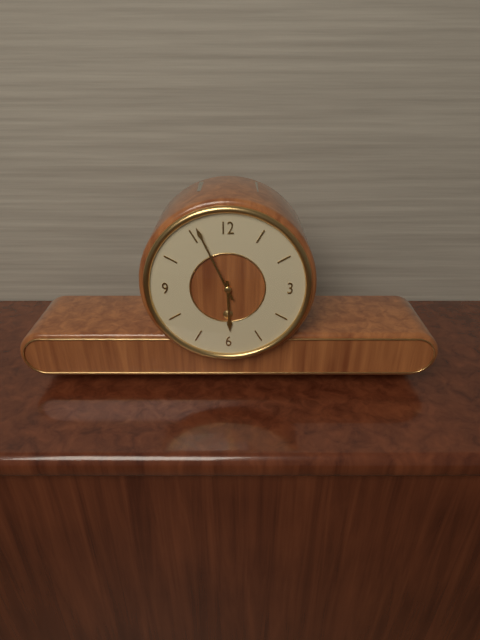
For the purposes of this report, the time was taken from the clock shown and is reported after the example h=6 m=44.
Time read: h=5 m=56
